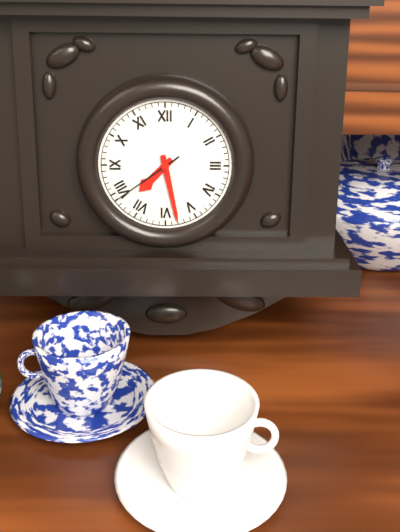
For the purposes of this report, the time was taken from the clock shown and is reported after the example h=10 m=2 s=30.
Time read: h=7 m=28 s=39
